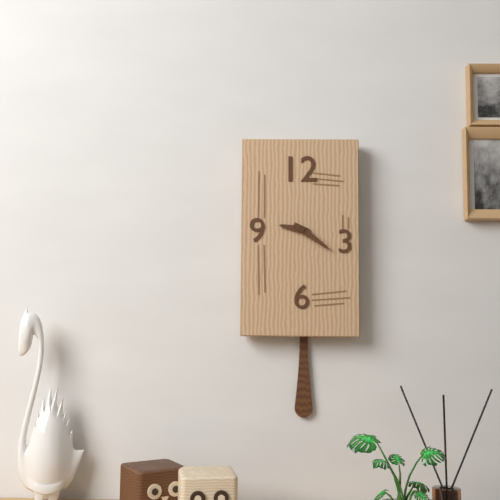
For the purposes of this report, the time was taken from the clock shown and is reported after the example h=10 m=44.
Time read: h=9 m=21
